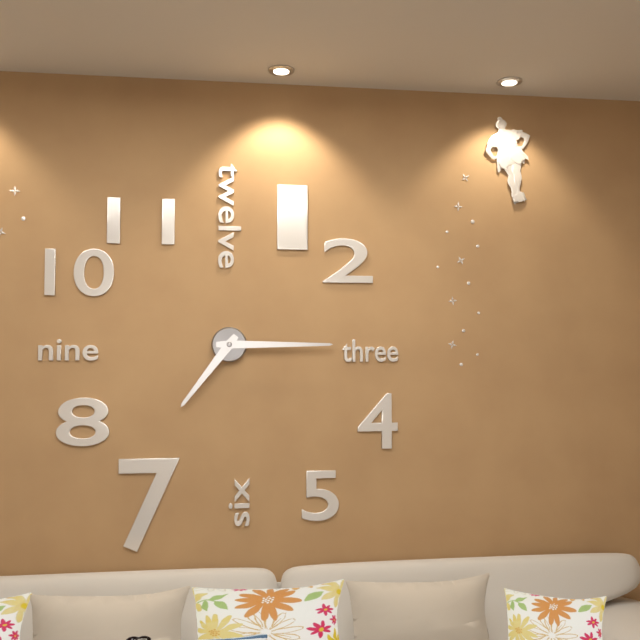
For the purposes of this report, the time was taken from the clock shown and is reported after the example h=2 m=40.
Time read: h=7 m=15
